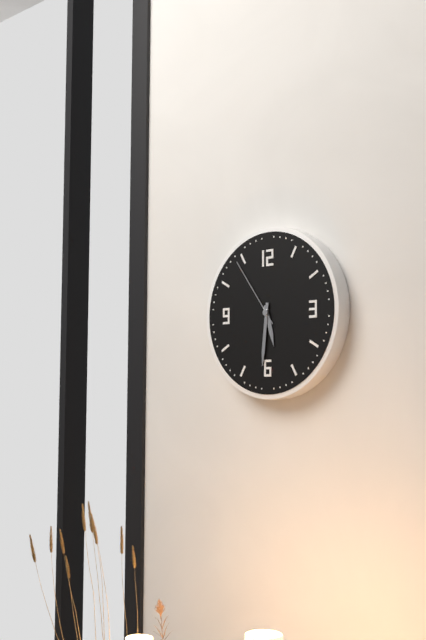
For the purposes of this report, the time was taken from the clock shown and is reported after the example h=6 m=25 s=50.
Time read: h=5 m=31 s=54
